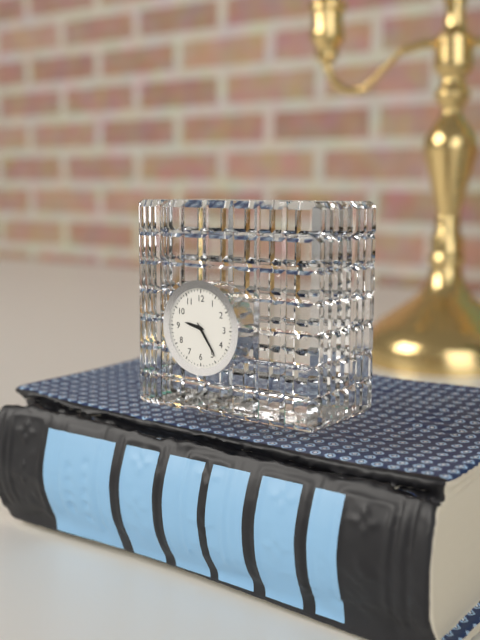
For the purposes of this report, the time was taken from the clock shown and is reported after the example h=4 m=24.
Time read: h=9 m=24
